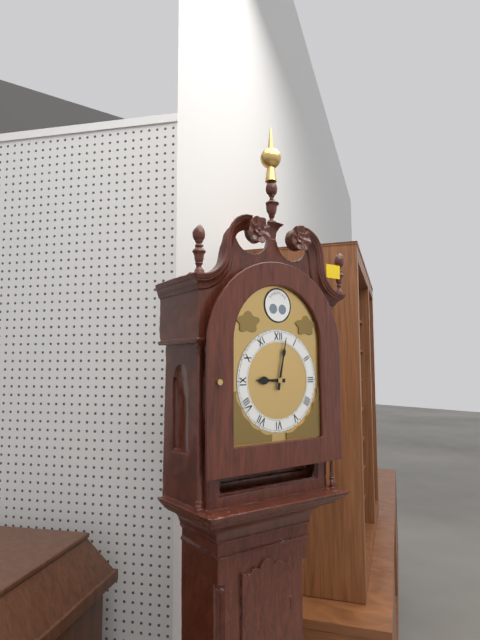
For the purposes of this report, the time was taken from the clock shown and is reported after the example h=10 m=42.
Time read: h=9 m=2
